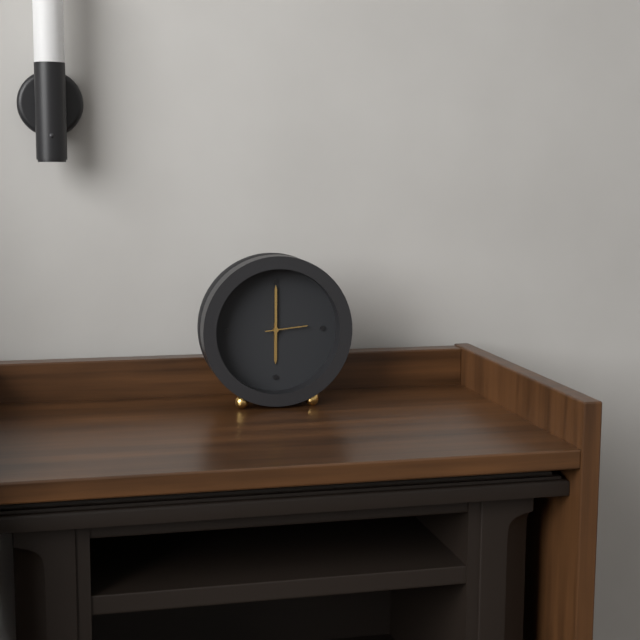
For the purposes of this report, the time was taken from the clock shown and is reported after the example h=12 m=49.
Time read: h=6 m=0
